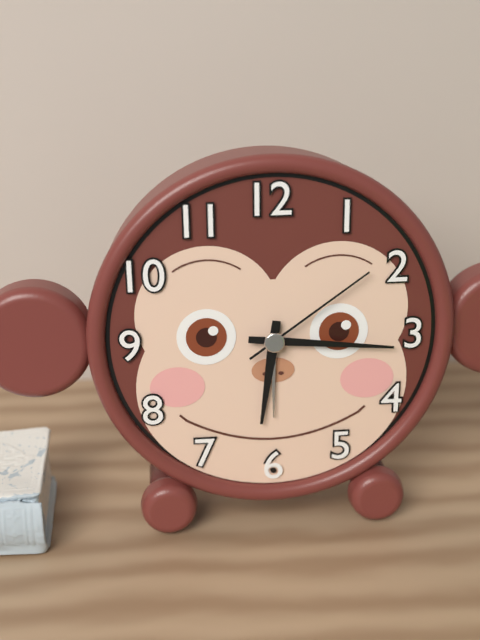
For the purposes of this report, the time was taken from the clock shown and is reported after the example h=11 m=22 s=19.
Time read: h=6 m=16 s=9
